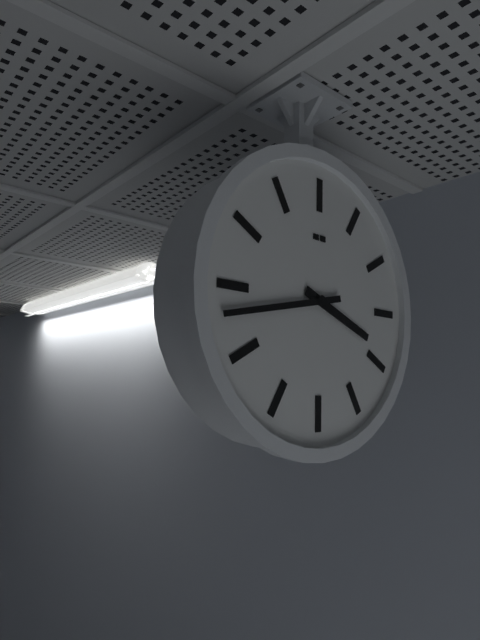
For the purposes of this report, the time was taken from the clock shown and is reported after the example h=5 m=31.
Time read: h=3 m=43
